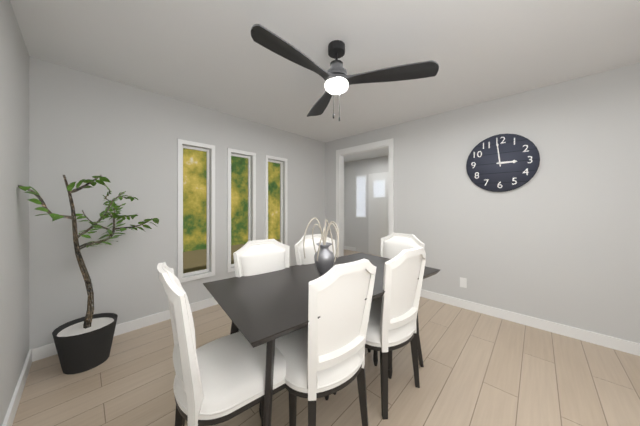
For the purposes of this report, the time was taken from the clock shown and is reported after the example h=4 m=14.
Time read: h=2 m=59
